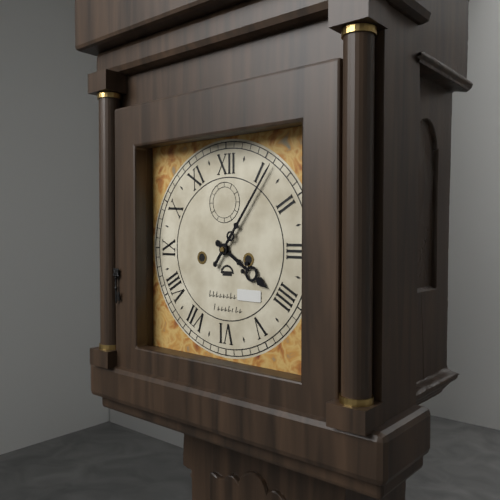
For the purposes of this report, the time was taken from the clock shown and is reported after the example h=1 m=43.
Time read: h=4 m=6
